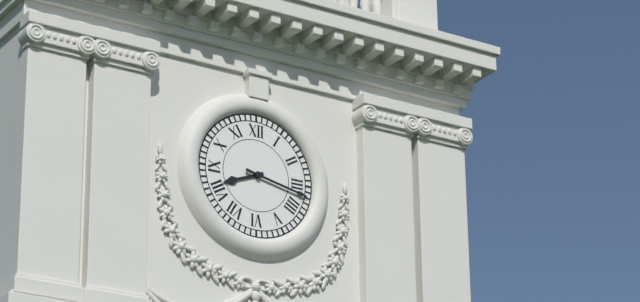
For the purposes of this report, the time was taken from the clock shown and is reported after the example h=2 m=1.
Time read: h=8 m=17
